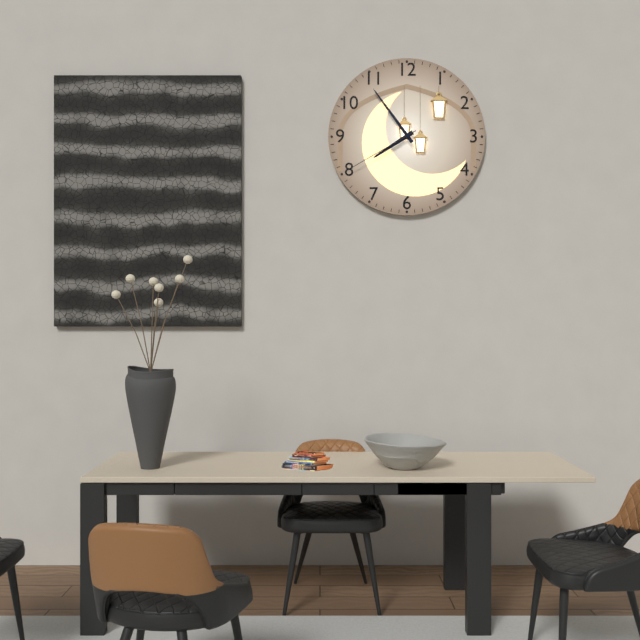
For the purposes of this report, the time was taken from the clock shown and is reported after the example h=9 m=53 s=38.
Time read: h=7 m=54 s=40
